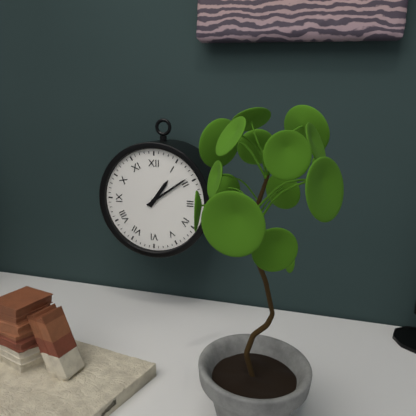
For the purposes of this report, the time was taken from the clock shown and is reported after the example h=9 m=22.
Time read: h=1 m=9
